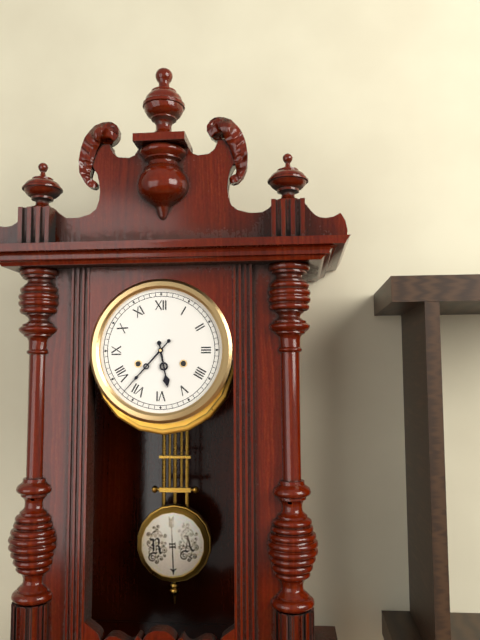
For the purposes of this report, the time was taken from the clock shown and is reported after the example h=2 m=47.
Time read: h=5 m=37
